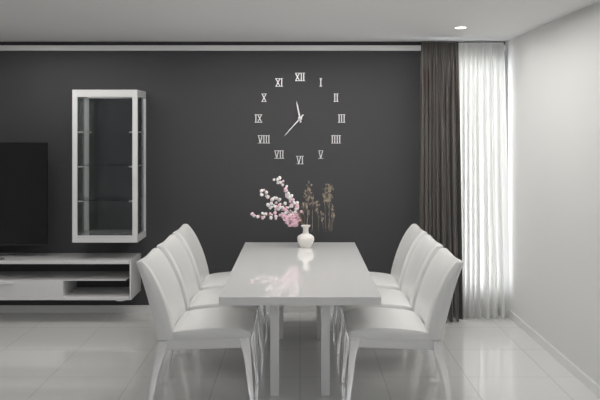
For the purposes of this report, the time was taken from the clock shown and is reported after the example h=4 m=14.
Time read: h=11 m=37
